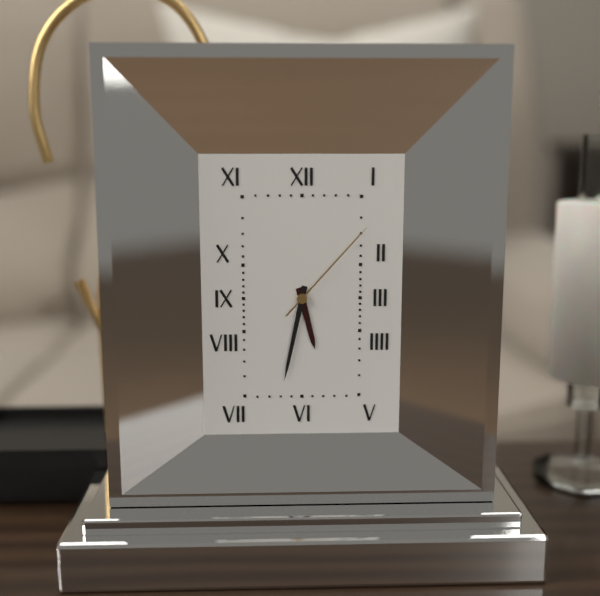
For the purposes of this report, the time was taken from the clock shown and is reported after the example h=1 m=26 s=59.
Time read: h=5 m=32 s=7
